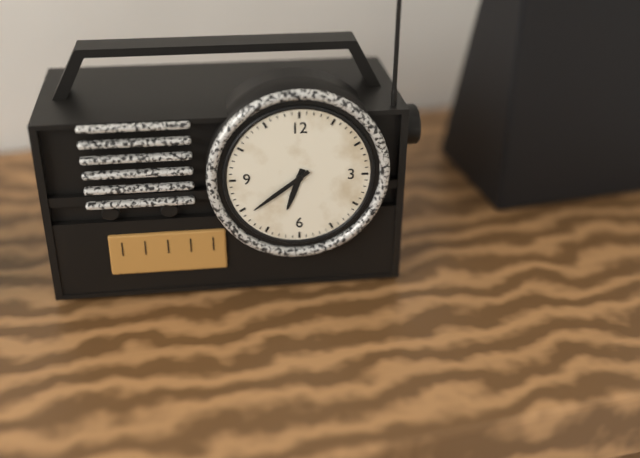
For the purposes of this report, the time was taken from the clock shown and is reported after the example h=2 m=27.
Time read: h=6 m=39
